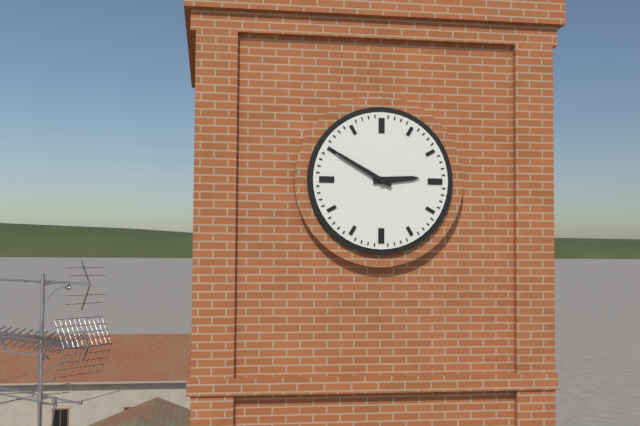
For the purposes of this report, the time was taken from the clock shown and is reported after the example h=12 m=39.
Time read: h=2 m=50
